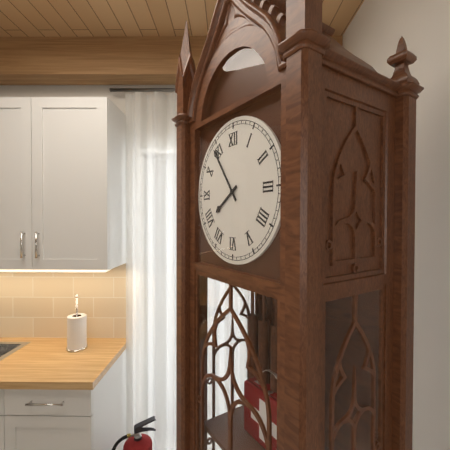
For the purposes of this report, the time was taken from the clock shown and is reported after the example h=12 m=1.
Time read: h=7 m=54
